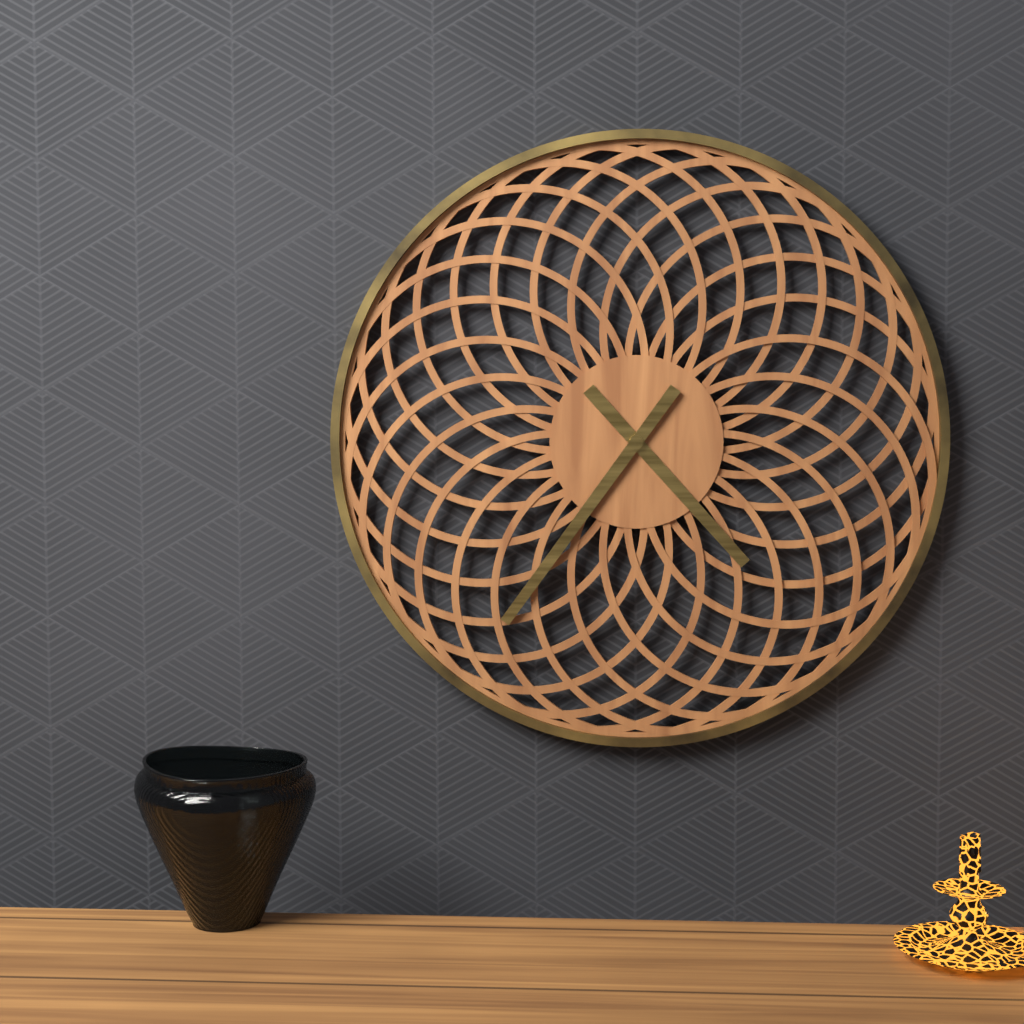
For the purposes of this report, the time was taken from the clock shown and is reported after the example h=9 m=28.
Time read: h=4 m=36
